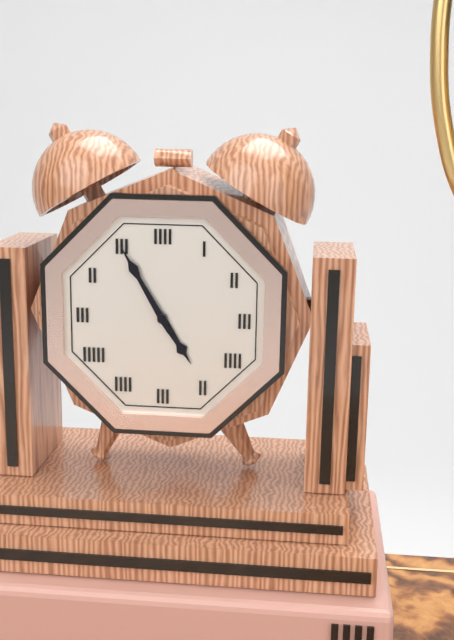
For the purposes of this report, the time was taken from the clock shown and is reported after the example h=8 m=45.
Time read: h=4 m=55
